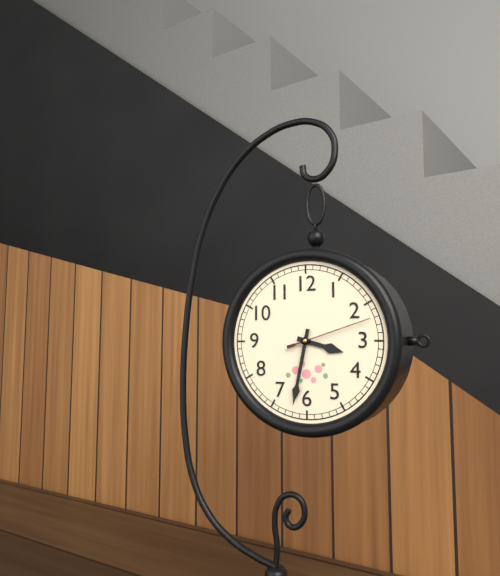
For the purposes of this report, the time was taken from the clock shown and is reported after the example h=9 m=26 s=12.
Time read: h=3 m=32 s=12
